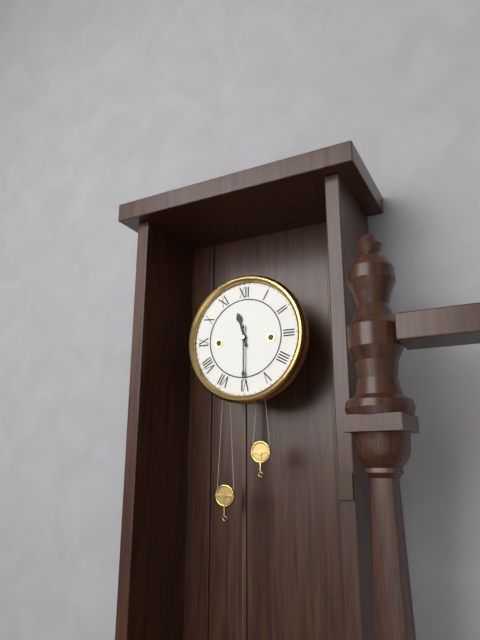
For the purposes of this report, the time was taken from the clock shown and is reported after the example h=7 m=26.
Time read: h=11 m=30
